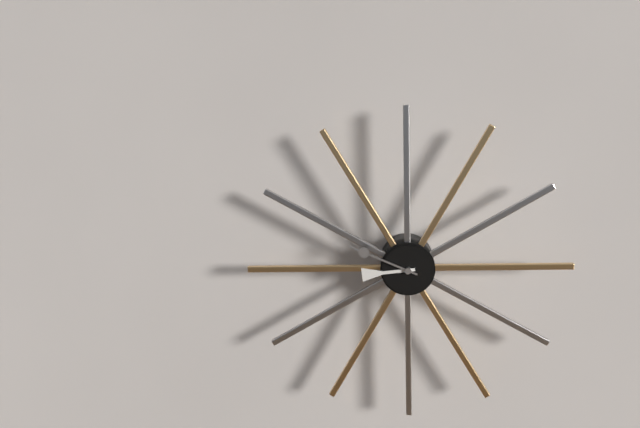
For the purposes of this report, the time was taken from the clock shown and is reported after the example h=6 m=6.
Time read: h=8 m=49
